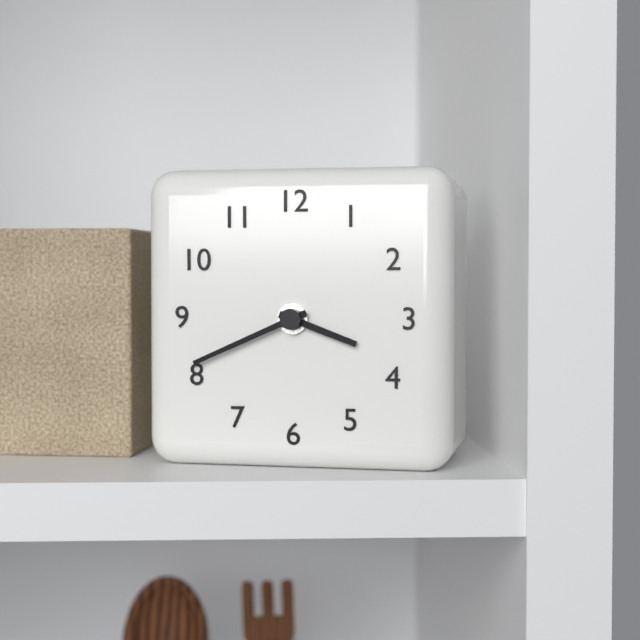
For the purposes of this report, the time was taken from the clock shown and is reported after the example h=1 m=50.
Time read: h=3 m=41
